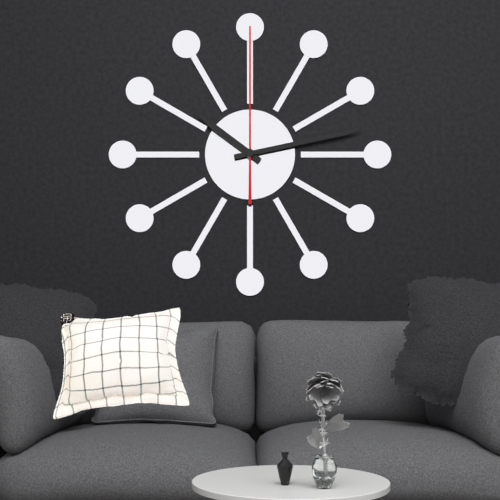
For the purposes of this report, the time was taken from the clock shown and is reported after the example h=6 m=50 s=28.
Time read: h=10 m=13 s=0
